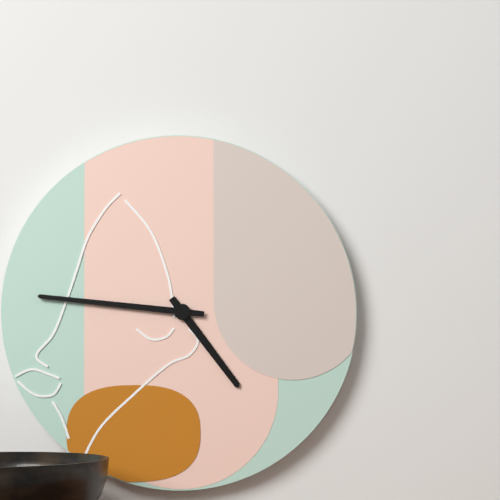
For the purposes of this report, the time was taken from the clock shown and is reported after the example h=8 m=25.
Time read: h=4 m=46
